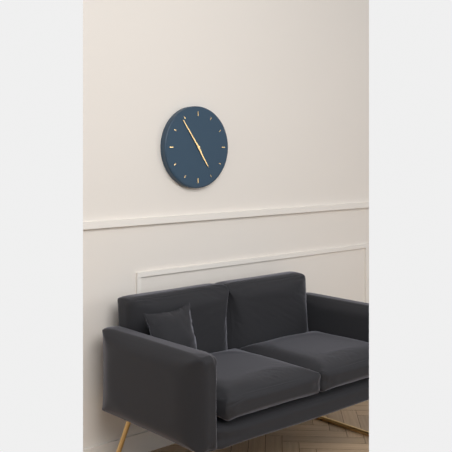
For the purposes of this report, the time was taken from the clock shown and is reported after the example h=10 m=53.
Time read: h=4 m=54
